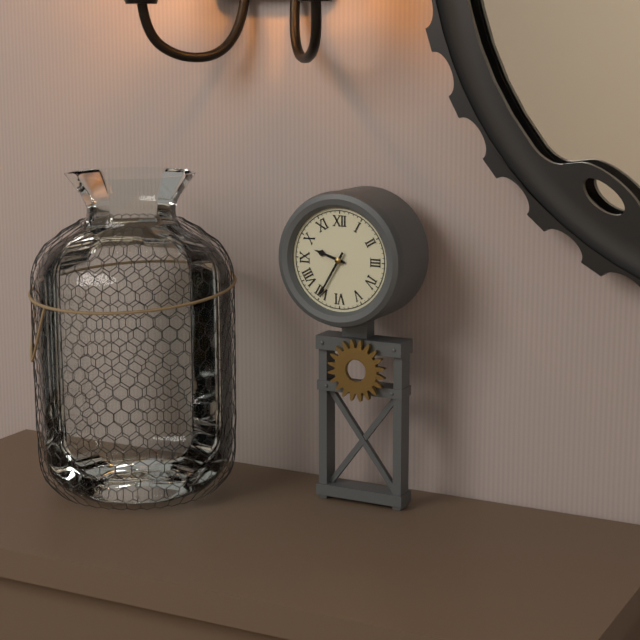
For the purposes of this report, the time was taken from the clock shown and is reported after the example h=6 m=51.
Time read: h=9 m=35
